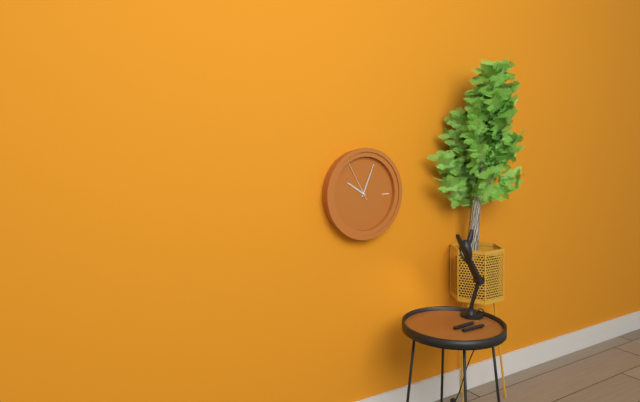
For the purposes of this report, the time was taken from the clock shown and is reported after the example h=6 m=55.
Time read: h=10 m=4
